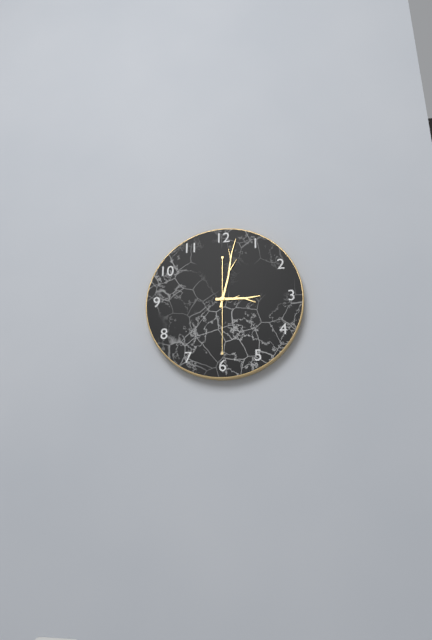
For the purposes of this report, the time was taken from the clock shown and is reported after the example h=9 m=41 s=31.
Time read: h=3 m=2 s=30
